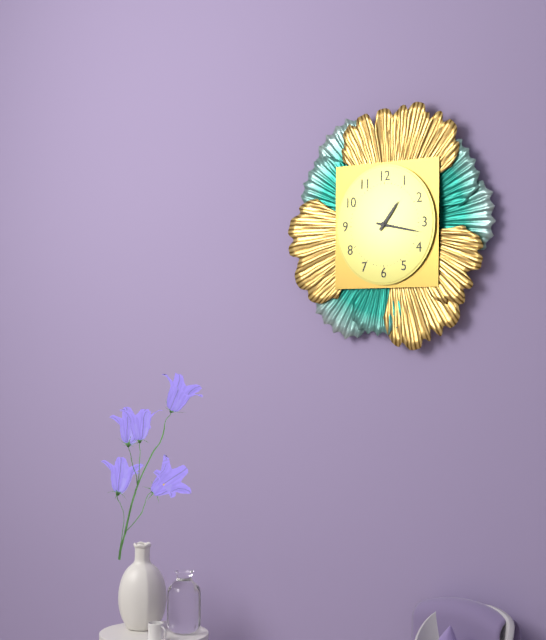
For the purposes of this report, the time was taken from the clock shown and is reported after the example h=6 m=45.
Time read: h=1 m=17
